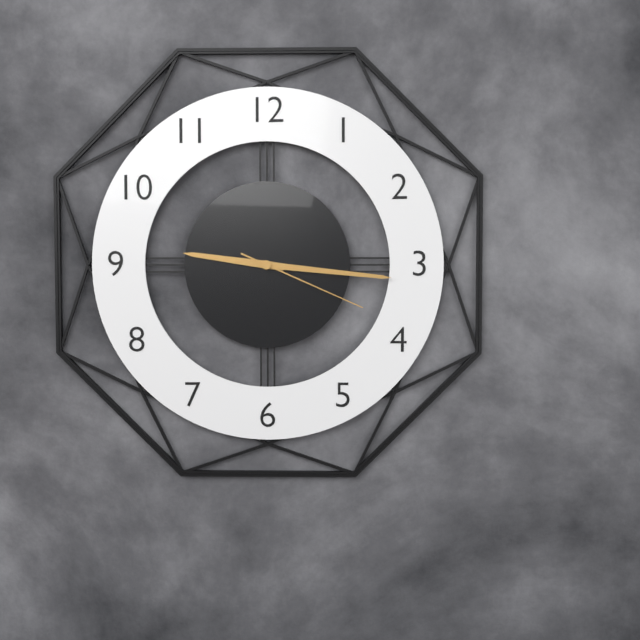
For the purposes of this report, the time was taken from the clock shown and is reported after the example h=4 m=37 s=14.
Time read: h=9 m=16 s=19
